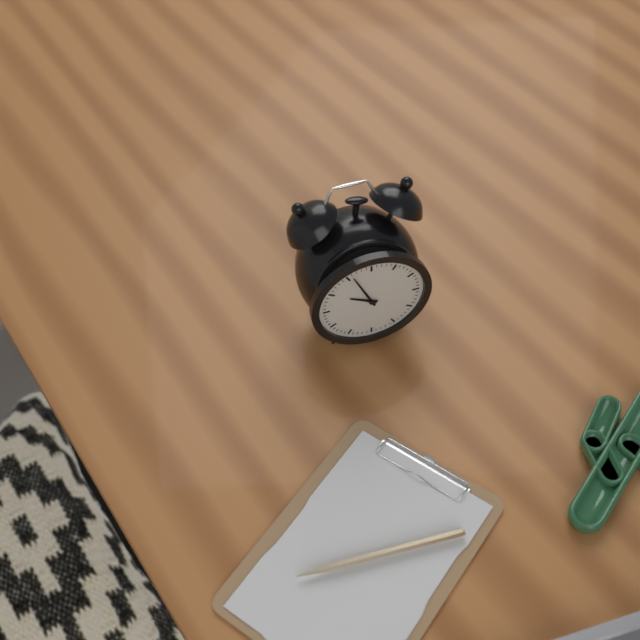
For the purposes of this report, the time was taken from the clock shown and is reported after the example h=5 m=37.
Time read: h=9 m=56
